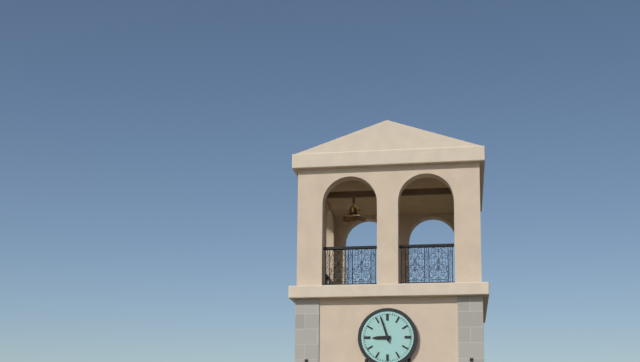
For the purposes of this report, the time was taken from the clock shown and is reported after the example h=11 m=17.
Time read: h=8 m=57
